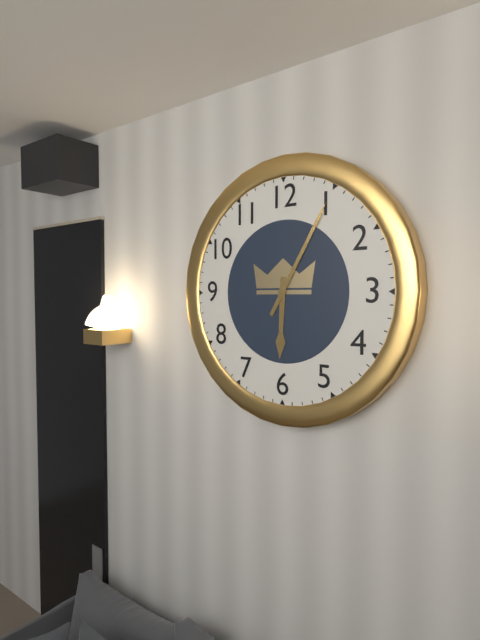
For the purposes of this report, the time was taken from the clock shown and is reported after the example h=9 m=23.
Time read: h=6 m=5
